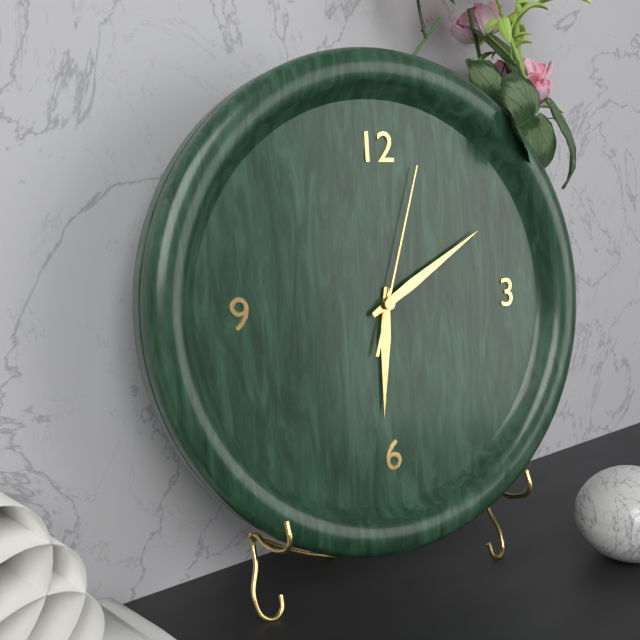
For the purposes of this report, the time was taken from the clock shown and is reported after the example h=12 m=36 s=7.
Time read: h=6 m=10 s=3
